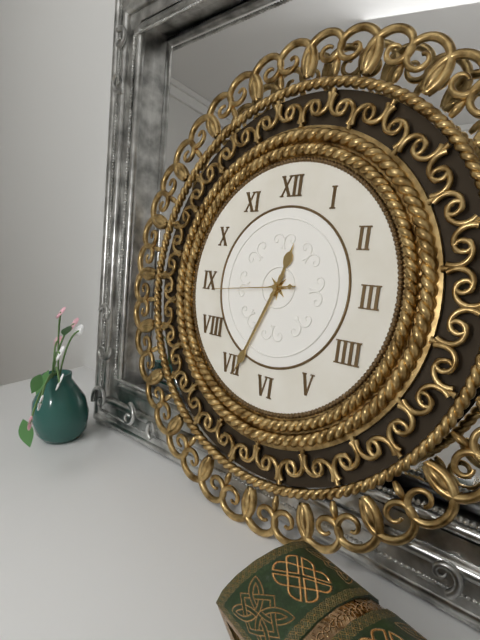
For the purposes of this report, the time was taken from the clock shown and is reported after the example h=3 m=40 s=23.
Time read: h=12 m=34 s=44
